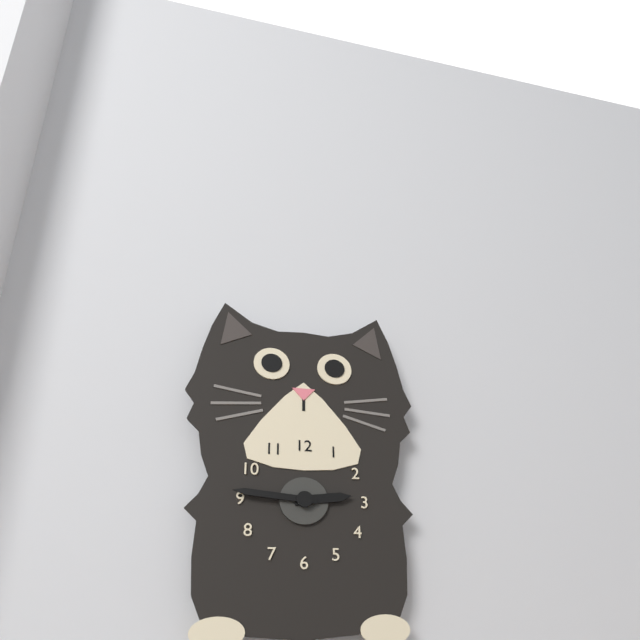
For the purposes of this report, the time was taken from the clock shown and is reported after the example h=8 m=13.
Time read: h=2 m=46
